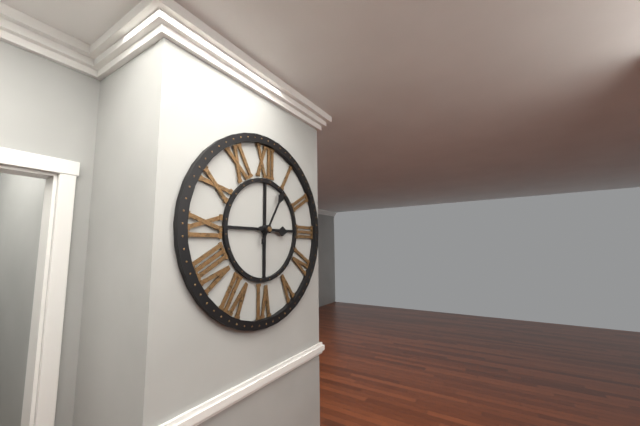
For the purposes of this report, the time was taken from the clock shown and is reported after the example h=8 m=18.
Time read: h=3 m=5
